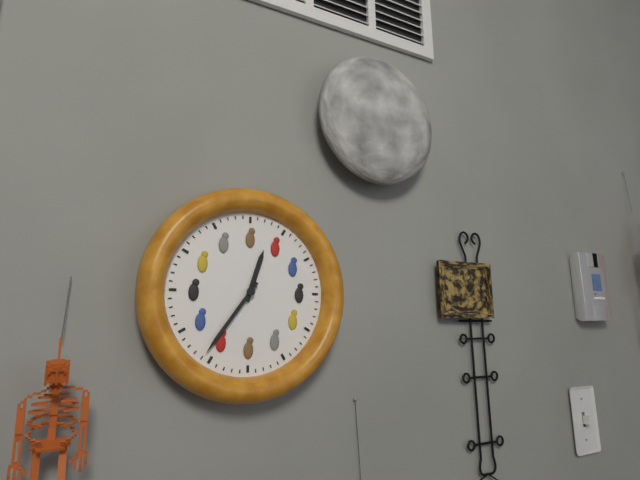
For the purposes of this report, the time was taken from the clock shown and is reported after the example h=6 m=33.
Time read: h=12 m=36
